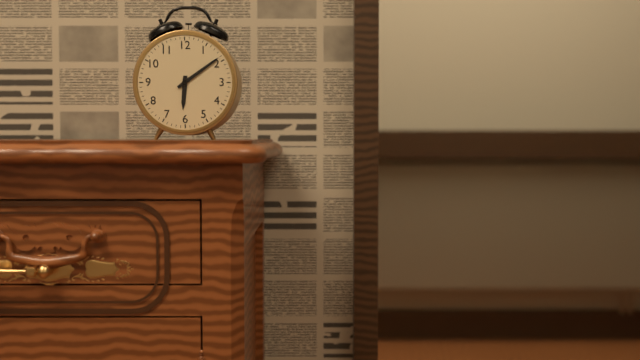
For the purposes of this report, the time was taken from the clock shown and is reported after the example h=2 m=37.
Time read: h=6 m=9
